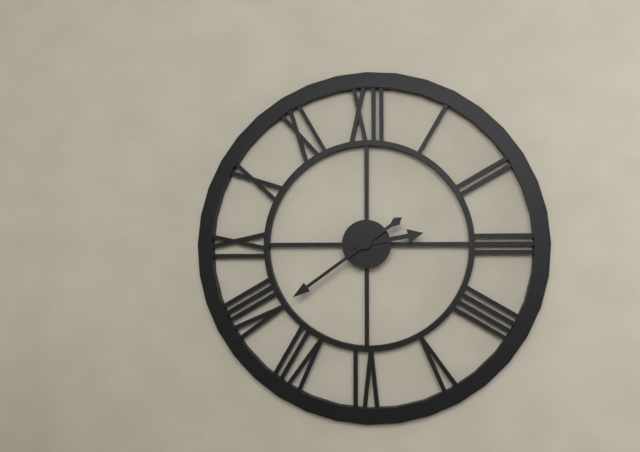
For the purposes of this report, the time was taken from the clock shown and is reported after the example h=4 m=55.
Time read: h=2 m=39
